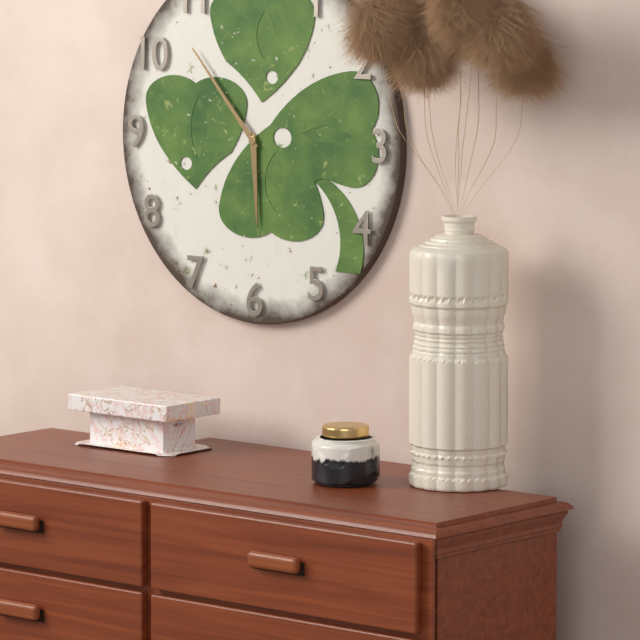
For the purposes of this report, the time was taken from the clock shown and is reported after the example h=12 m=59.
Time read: h=5 m=53
